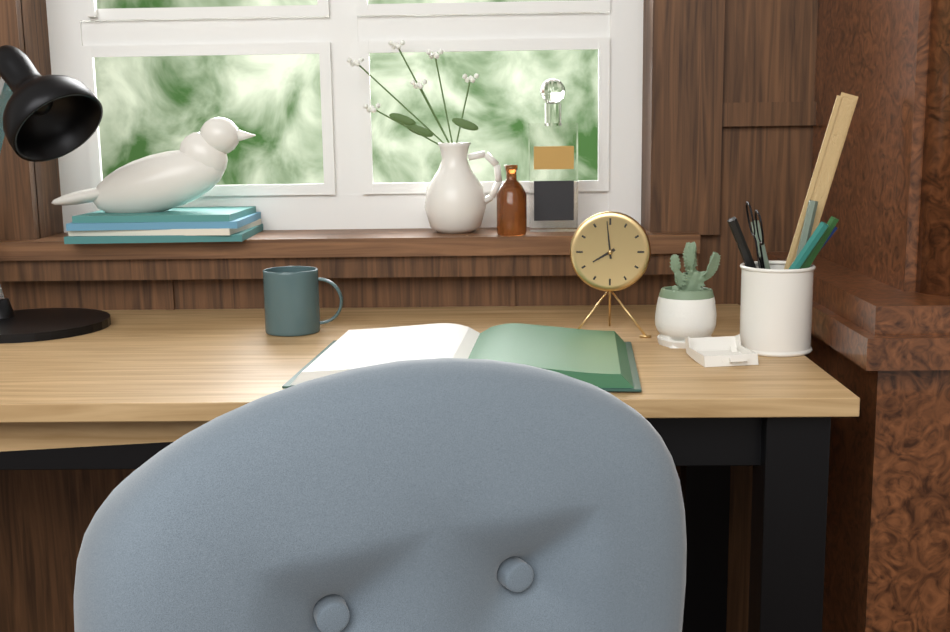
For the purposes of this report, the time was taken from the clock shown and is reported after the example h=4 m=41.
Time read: h=7 m=59
